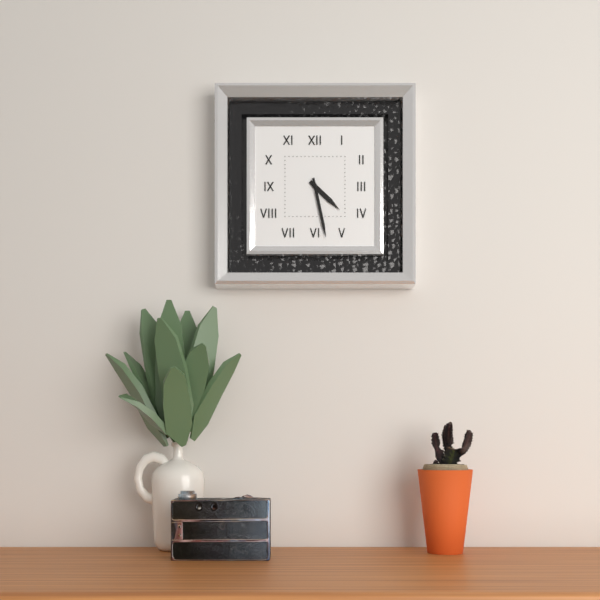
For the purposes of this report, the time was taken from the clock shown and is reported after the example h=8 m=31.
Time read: h=4 m=28
